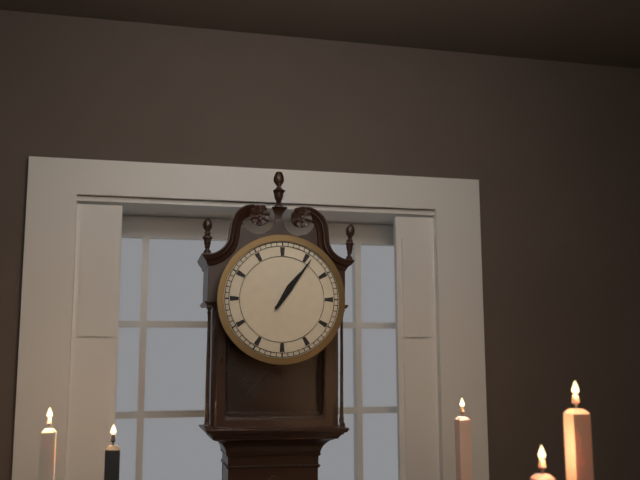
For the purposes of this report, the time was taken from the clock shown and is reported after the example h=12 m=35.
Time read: h=1 m=6
